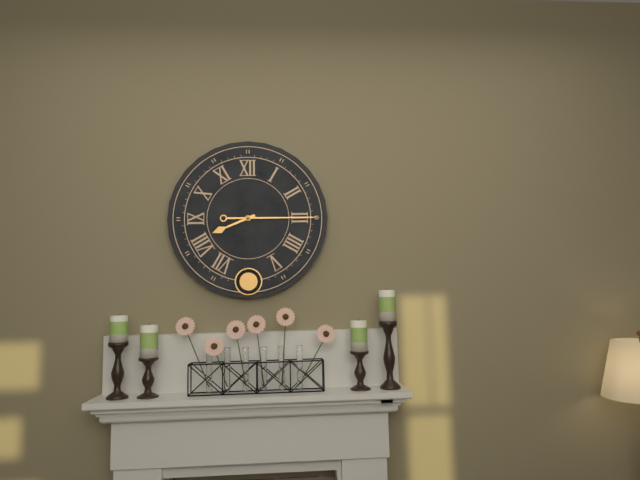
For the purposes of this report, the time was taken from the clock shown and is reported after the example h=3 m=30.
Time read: h=8 m=15
